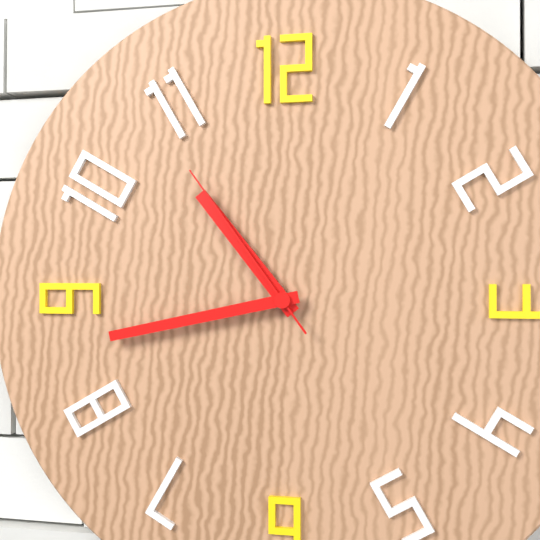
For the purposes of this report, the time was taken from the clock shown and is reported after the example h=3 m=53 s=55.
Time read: h=10 m=43 s=54
